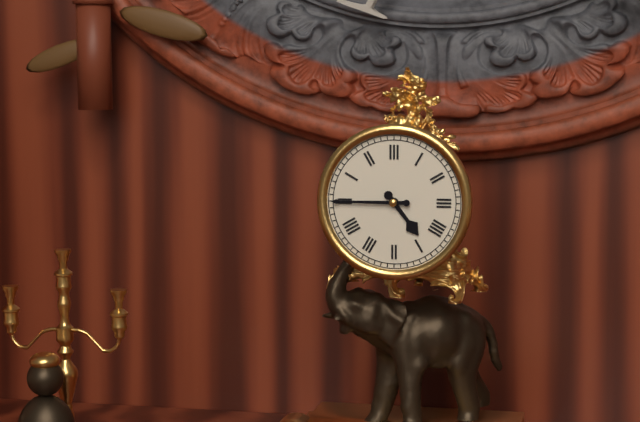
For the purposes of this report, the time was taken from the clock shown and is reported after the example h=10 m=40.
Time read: h=4 m=45
